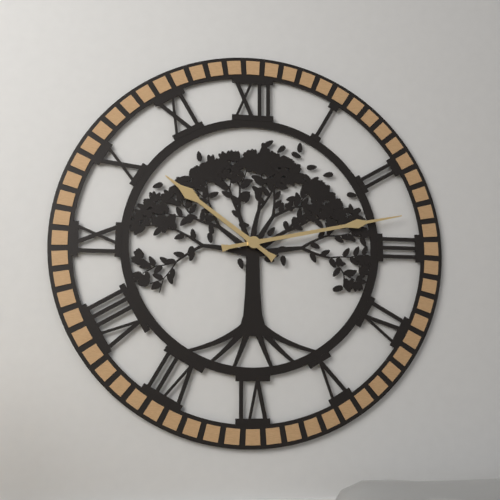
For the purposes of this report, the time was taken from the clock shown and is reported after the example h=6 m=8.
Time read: h=10 m=13
